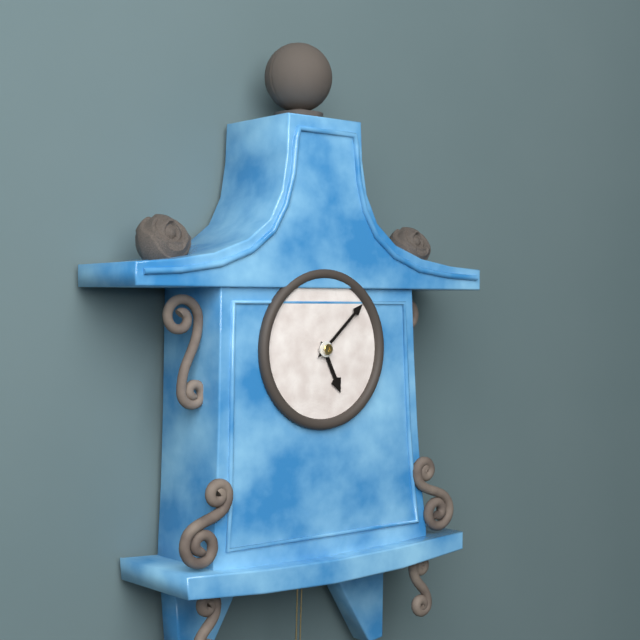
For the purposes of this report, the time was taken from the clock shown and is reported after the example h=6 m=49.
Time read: h=5 m=8
